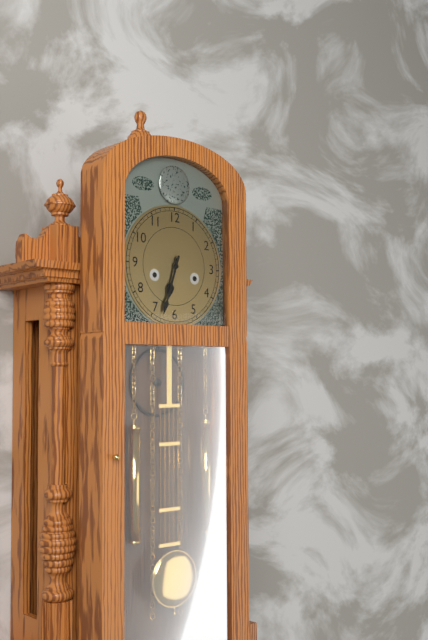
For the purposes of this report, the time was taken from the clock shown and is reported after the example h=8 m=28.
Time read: h=6 m=33
